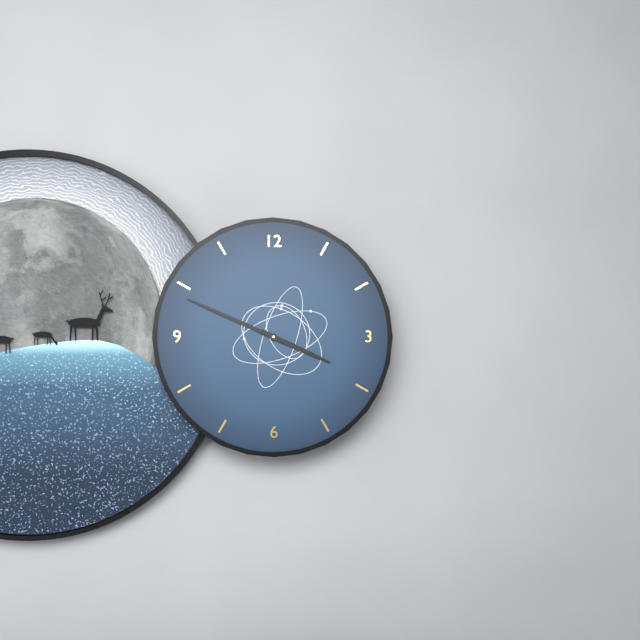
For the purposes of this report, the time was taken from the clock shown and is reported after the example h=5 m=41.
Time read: h=3 m=49
